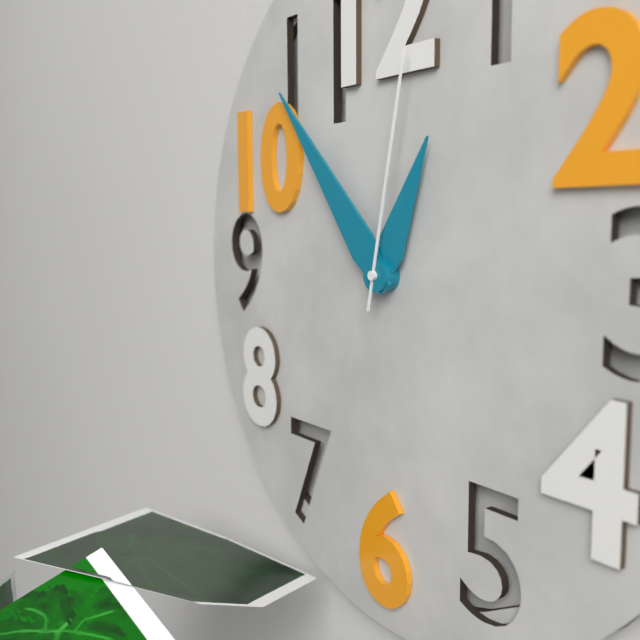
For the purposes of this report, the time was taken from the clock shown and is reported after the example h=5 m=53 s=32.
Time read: h=12 m=53 s=2
